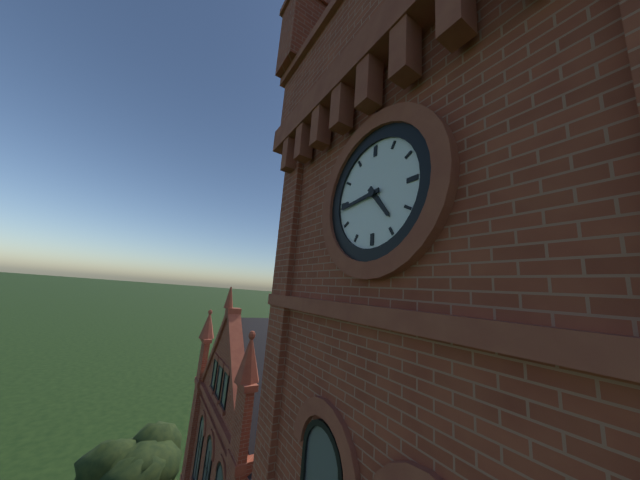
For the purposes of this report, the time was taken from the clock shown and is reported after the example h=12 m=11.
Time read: h=4 m=44
